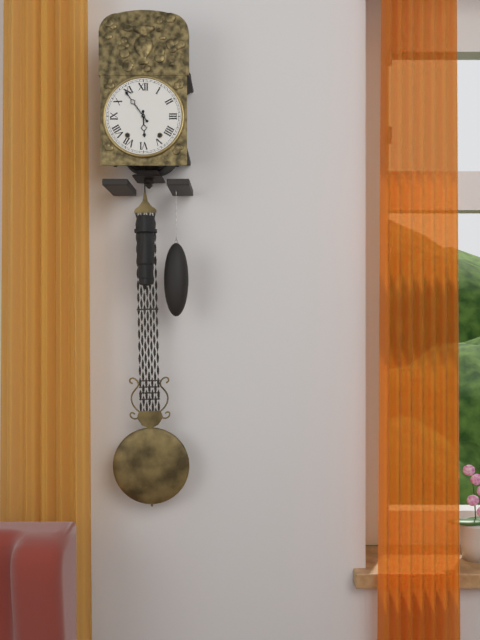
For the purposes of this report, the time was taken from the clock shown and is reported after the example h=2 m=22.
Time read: h=5 m=54
